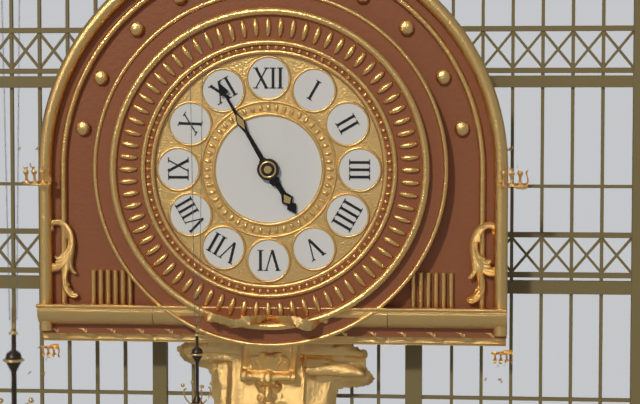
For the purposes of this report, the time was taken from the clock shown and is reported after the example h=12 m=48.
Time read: h=4 m=55
